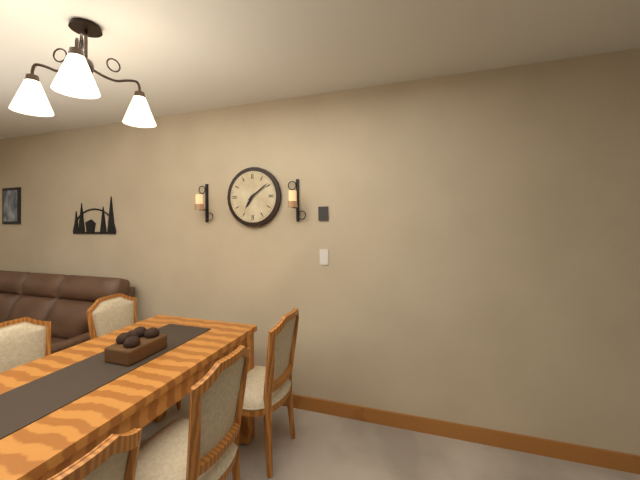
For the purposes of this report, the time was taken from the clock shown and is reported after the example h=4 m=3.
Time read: h=7 m=9
